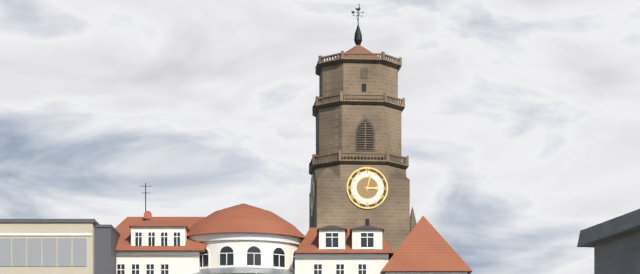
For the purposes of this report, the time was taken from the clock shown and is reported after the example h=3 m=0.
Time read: h=3 m=2
